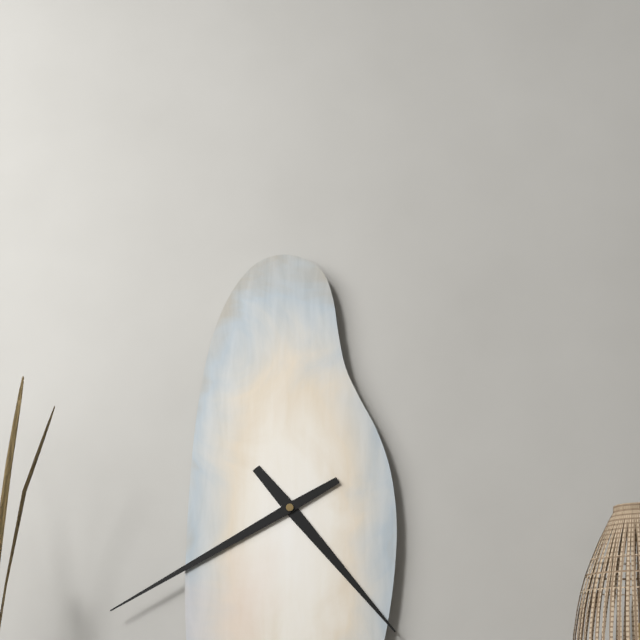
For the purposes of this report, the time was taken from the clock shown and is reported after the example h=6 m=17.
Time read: h=4 m=40
